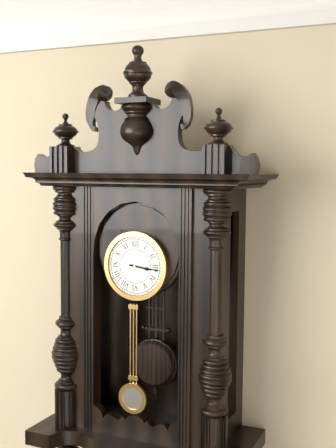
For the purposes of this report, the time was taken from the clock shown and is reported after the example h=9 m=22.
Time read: h=3 m=16
